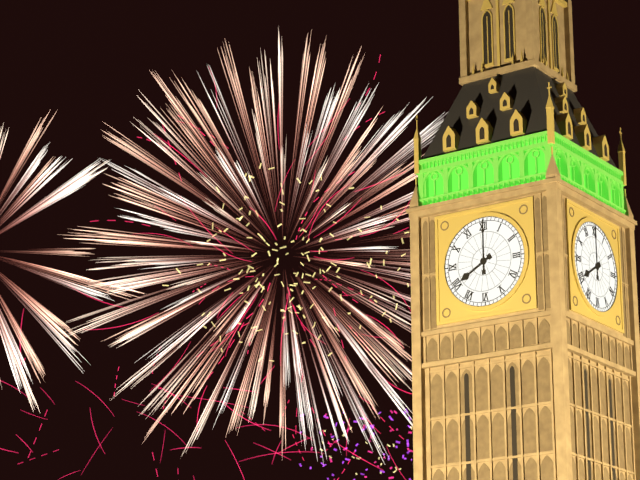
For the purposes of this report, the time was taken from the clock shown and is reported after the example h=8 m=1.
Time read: h=8 m=0
